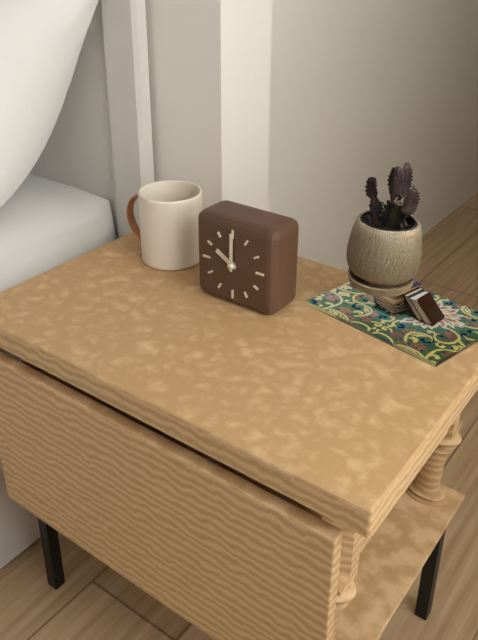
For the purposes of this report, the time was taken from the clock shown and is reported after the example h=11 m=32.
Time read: h=10 m=0
